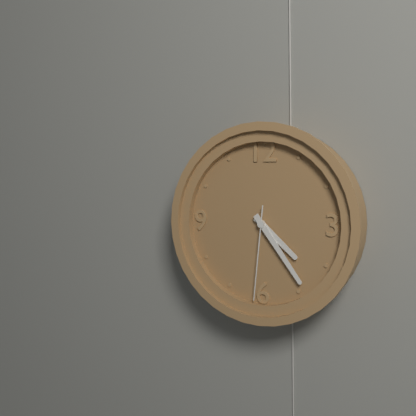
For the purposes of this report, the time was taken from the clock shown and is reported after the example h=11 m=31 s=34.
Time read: h=4 m=24 s=31
